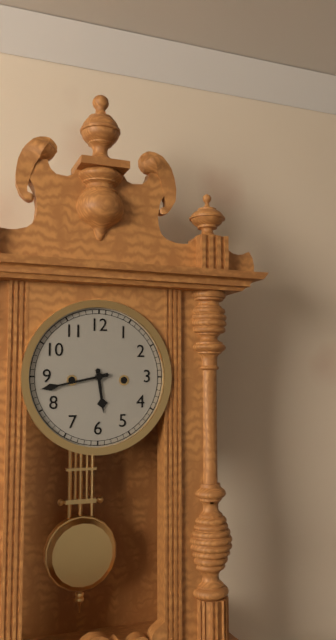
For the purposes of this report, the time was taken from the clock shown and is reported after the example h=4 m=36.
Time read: h=5 m=43
